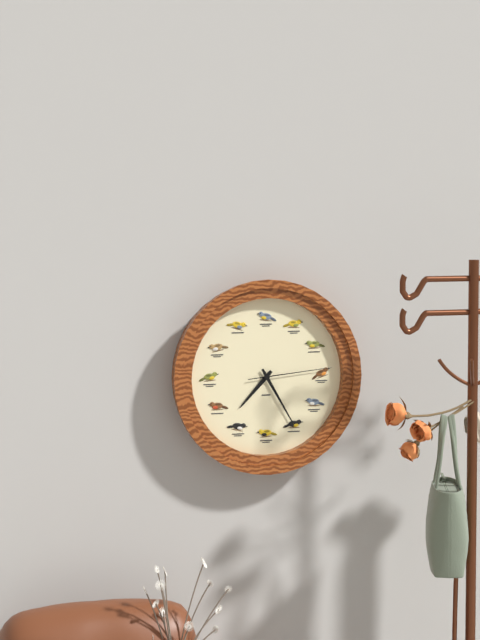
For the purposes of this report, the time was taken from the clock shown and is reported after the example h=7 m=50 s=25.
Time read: h=7 m=25 s=14
